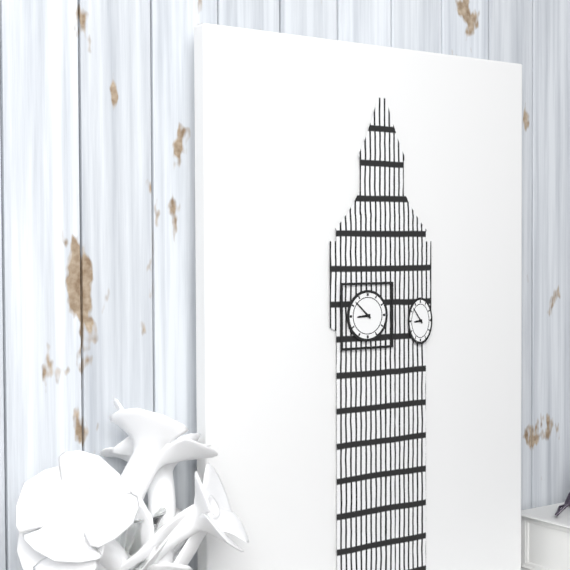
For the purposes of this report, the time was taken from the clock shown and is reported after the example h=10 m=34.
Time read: h=8 m=52
